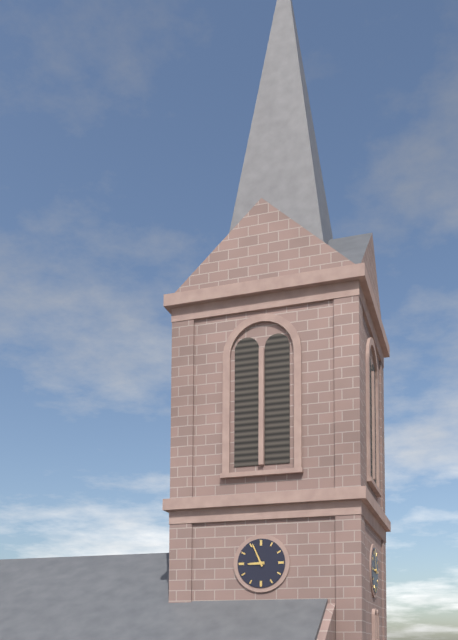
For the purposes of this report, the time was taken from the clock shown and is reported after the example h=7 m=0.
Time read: h=8 m=56
